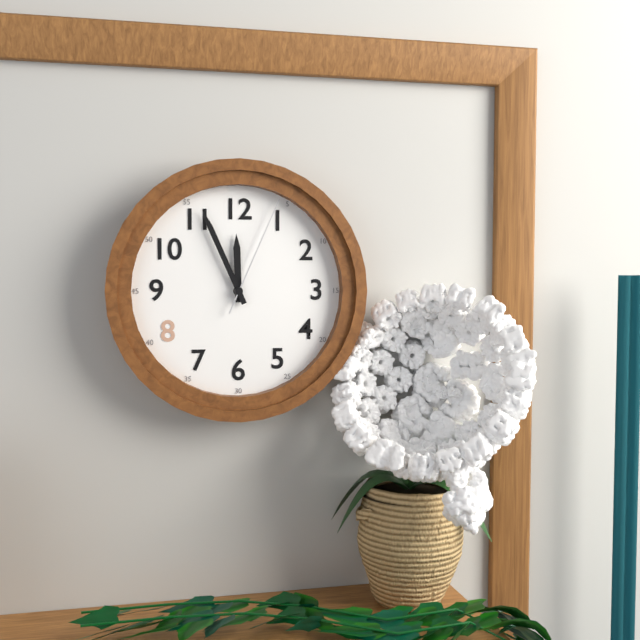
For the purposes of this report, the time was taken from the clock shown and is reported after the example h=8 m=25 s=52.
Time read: h=11 m=56 s=4
